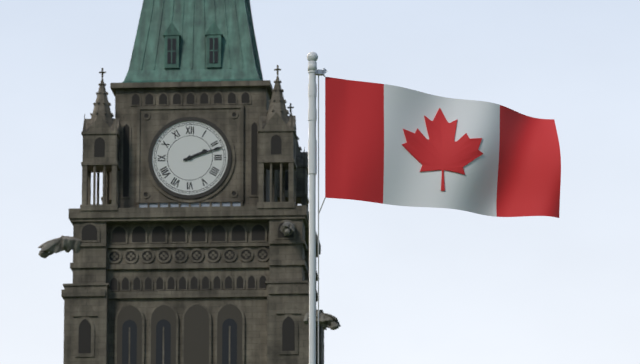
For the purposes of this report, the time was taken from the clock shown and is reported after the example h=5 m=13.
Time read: h=2 m=12
